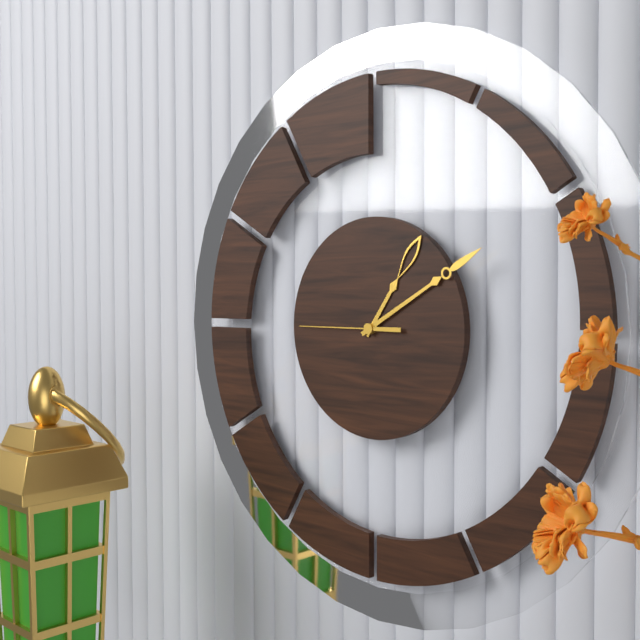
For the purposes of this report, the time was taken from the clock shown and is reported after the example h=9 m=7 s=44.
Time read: h=1 m=10 s=45
